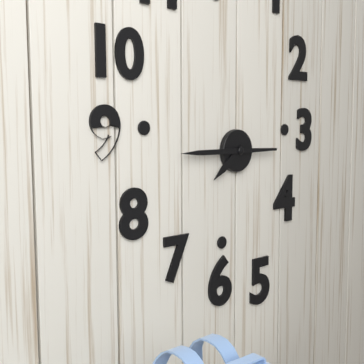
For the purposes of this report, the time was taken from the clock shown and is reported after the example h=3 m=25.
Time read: h=7 m=45
